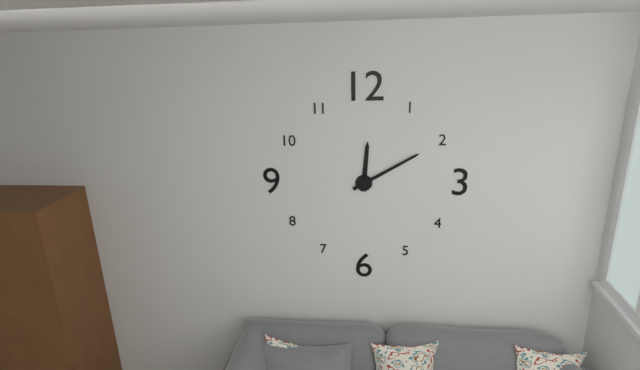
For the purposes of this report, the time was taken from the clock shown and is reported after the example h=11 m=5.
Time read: h=12 m=10
